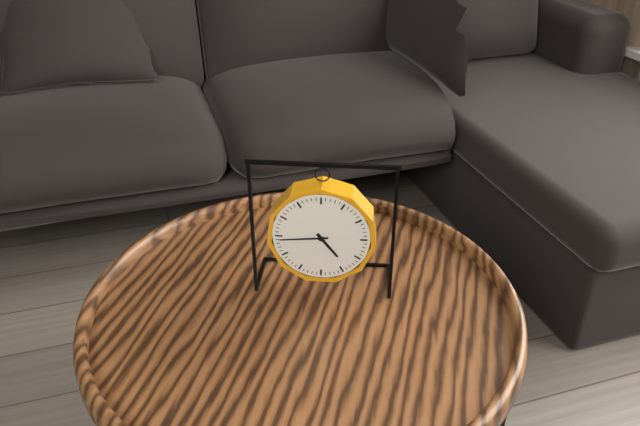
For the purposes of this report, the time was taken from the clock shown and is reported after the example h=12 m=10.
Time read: h=4 m=44
